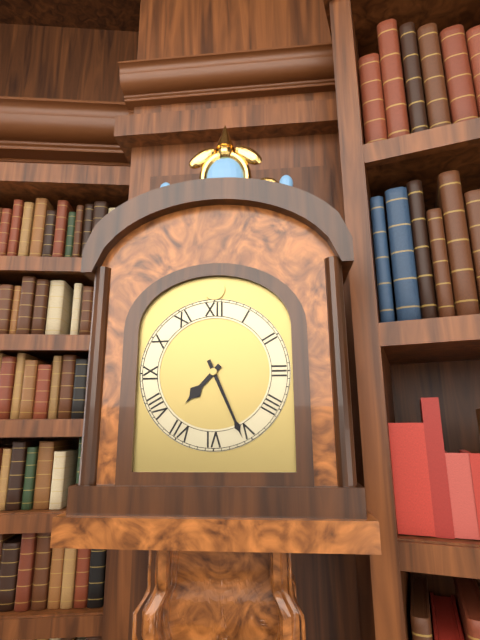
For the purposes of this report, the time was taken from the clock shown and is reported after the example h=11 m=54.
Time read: h=7 m=26
